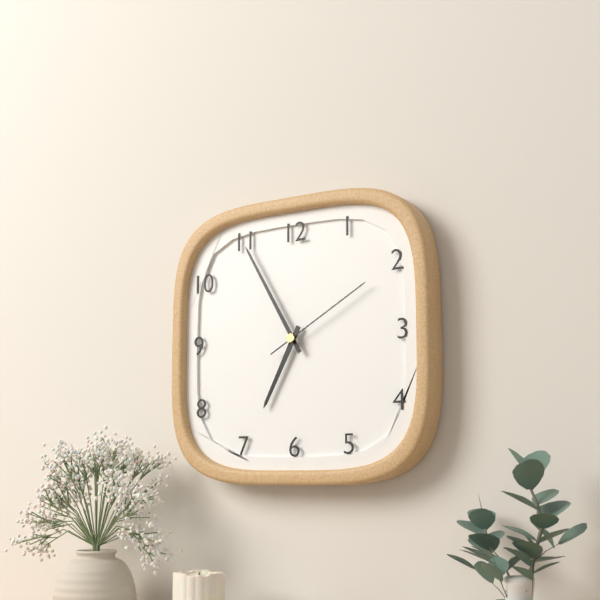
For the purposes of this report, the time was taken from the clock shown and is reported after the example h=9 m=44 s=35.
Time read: h=6 m=55 s=10
